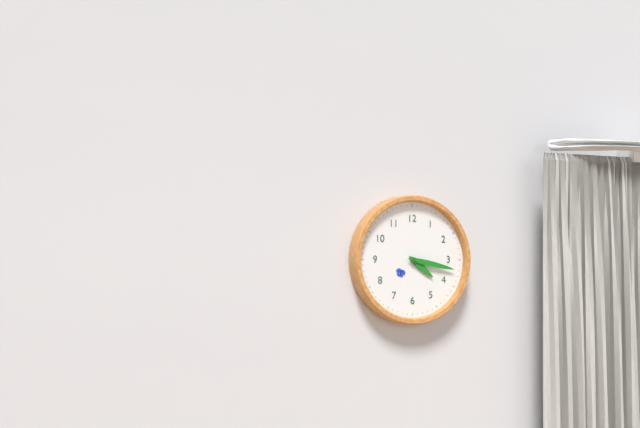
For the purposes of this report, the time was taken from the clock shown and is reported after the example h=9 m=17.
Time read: h=4 m=17
